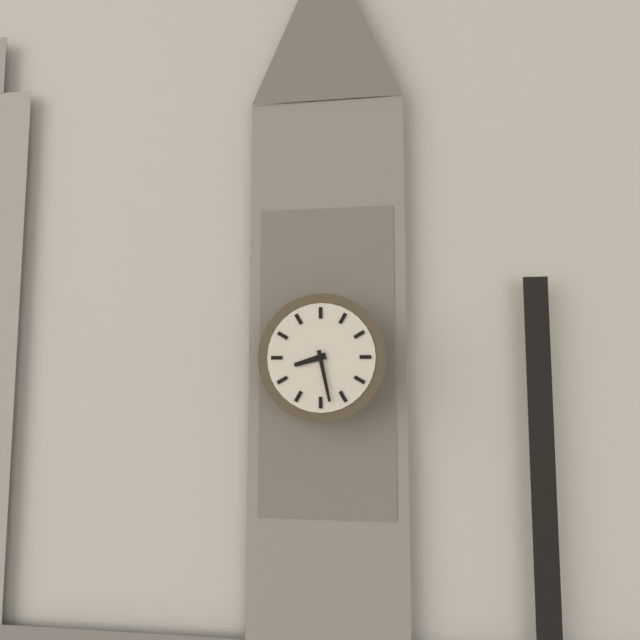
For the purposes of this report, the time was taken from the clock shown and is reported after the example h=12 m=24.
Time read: h=8 m=28
